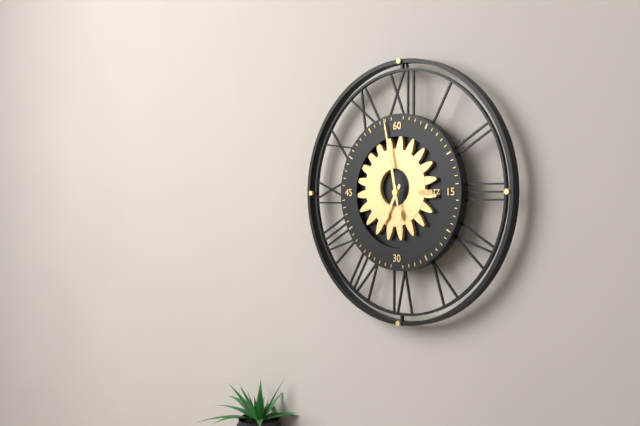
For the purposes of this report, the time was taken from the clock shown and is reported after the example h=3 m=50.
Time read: h=6 m=58
